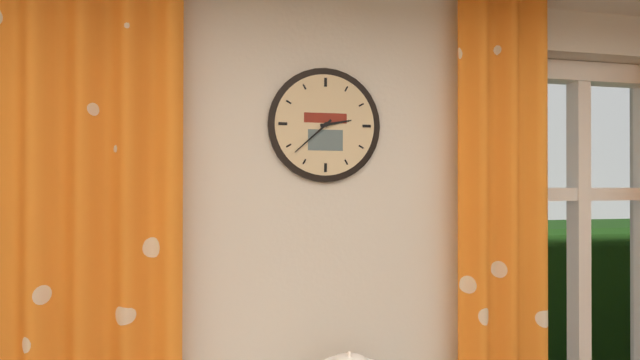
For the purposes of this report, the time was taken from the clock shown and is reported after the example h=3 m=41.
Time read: h=2 m=38
